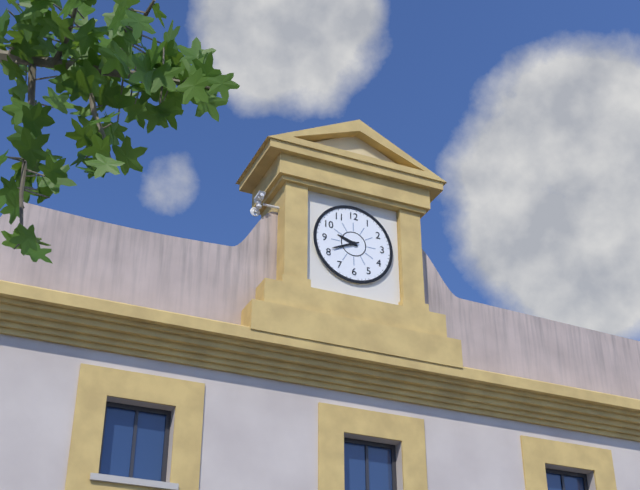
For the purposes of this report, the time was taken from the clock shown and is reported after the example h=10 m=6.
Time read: h=9 m=41
